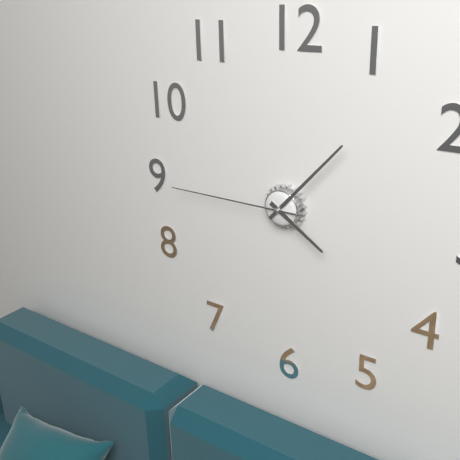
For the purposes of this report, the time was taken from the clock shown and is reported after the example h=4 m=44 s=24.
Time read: h=4 m=7 s=45
